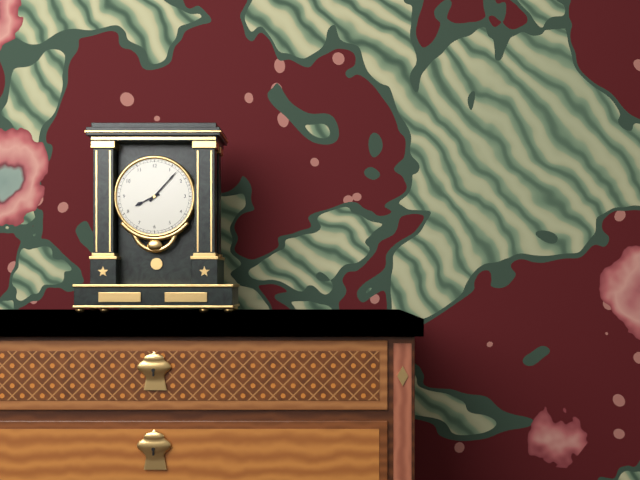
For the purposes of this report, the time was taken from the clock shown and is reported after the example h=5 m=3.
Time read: h=8 m=7
